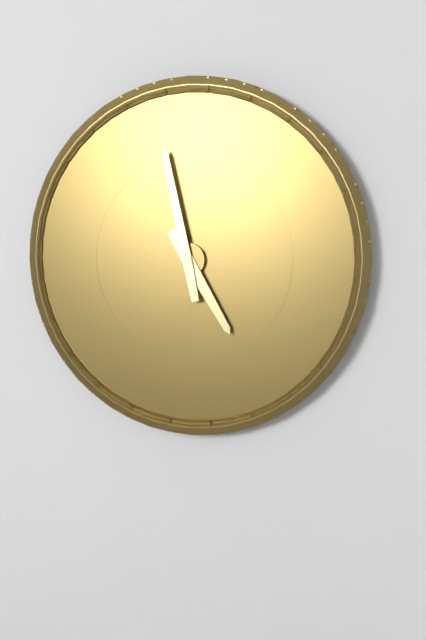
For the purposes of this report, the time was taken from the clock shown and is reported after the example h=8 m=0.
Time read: h=4 m=58
